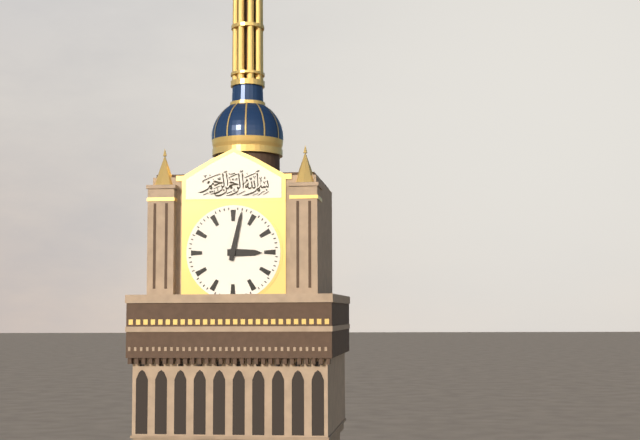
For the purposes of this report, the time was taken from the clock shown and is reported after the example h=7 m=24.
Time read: h=3 m=2
